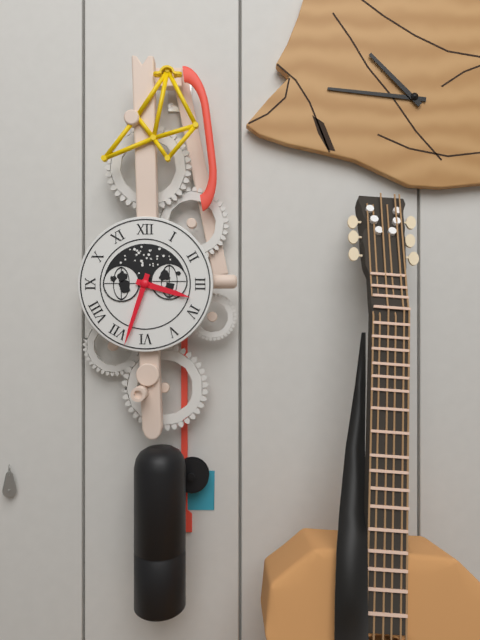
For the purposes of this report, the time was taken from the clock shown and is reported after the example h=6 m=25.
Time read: h=3 m=33
